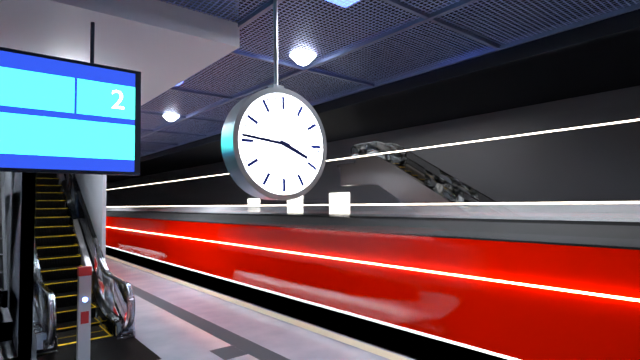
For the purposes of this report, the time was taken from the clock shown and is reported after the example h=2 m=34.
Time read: h=3 m=46
